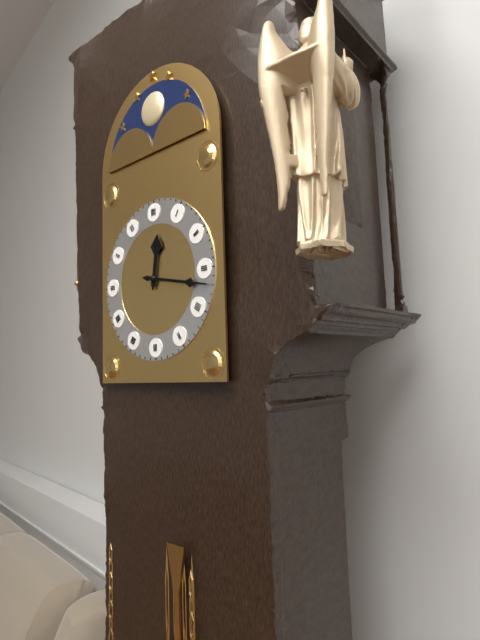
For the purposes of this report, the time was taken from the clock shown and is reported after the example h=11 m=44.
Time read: h=12 m=17
